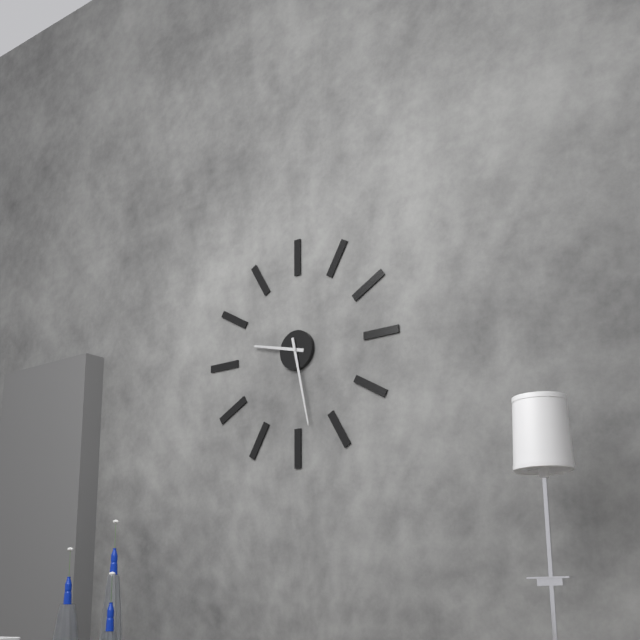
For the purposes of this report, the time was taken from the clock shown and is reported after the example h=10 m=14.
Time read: h=9 m=28
